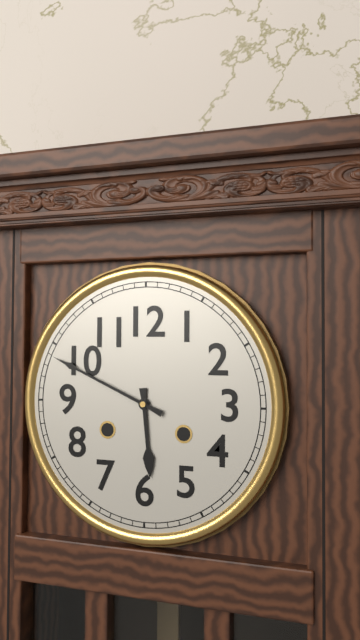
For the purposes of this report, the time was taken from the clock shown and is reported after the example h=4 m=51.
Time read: h=5 m=49
